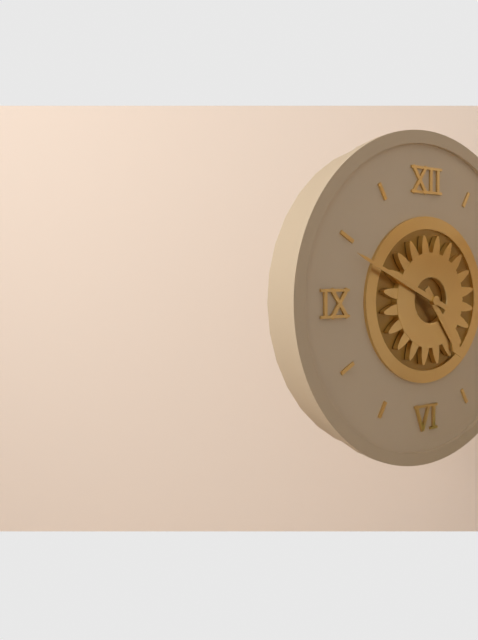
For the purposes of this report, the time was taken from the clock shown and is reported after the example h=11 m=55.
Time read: h=4 m=49
